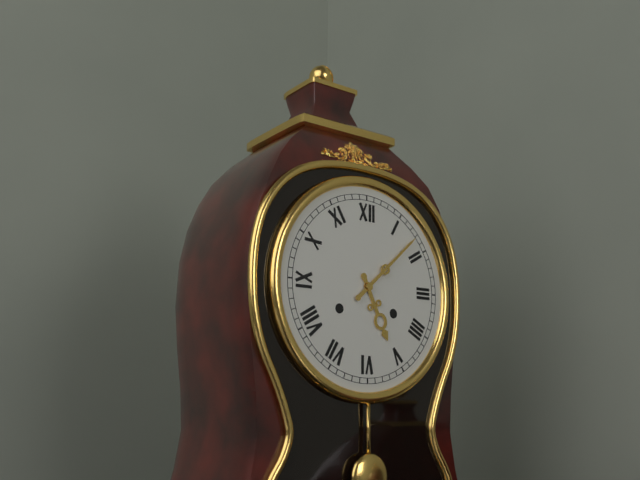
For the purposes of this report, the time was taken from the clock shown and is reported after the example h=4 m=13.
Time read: h=5 m=8
